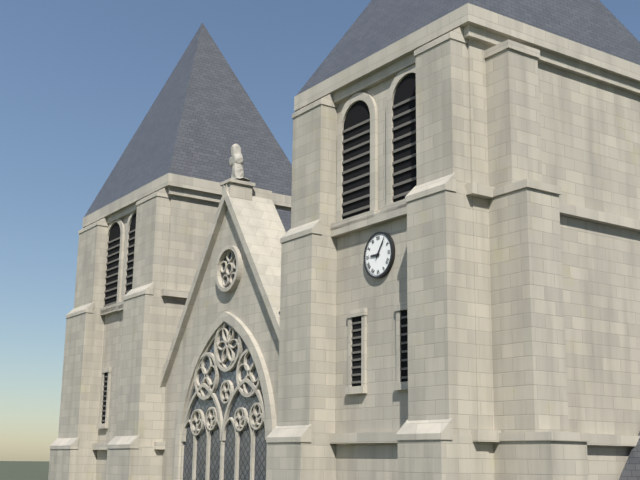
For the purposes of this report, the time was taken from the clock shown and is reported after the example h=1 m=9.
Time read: h=9 m=6
